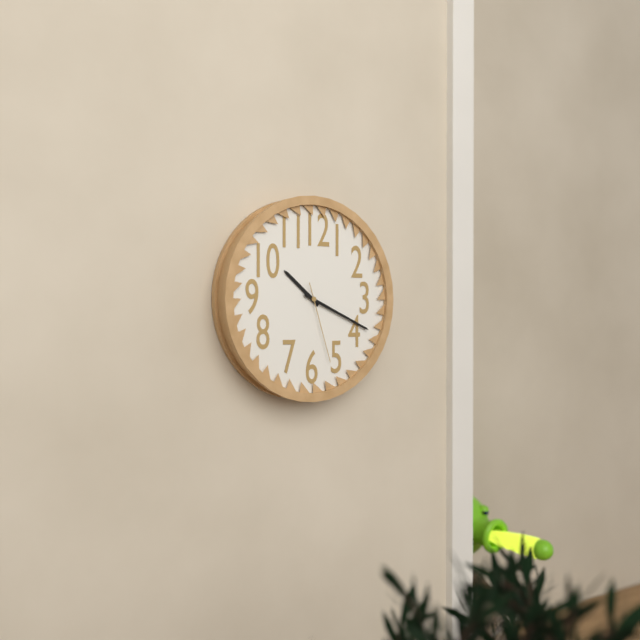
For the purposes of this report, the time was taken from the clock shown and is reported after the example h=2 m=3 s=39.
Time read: h=10 m=19 s=27
